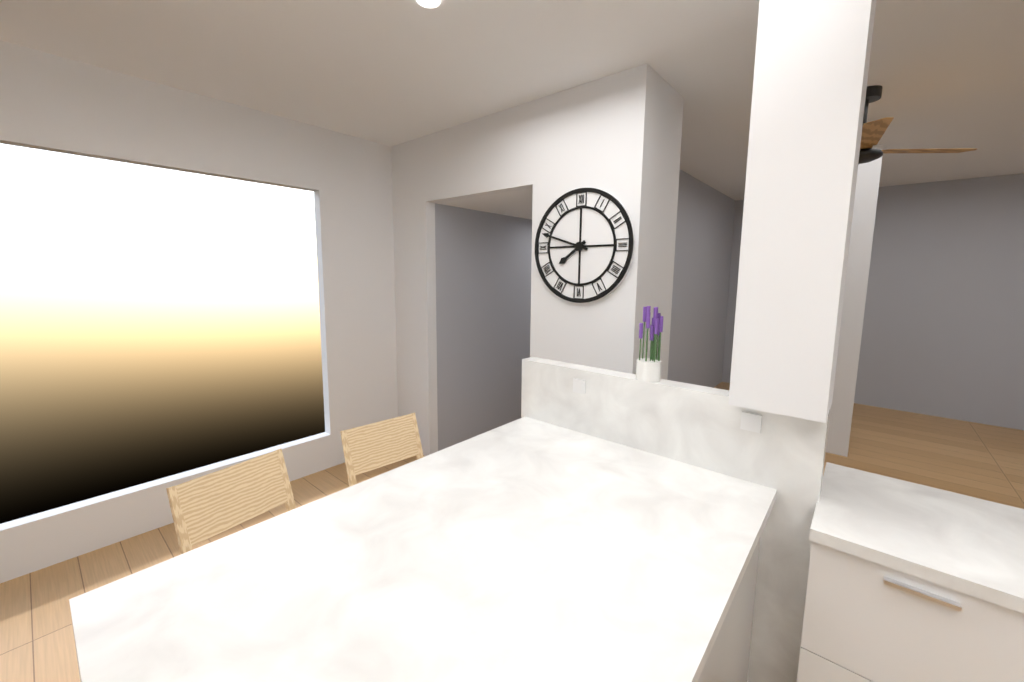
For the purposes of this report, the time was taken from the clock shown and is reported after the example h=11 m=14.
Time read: h=7 m=48
